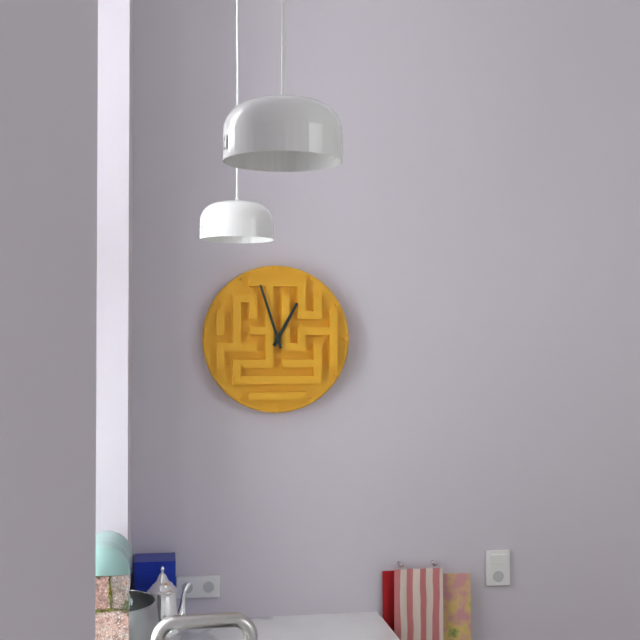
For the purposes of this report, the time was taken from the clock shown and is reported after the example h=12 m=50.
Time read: h=12 m=57
